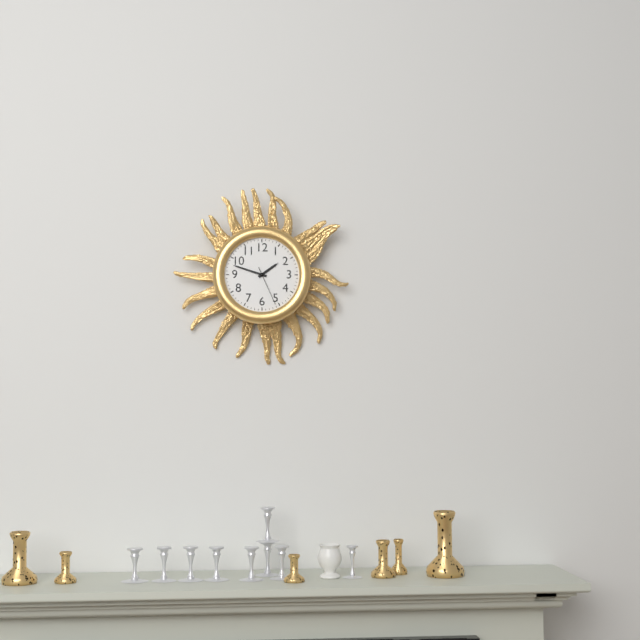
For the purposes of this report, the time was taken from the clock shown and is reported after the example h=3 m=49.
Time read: h=1 m=48
